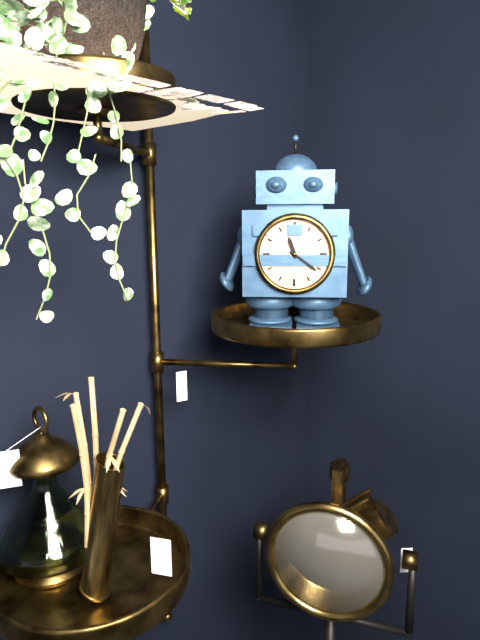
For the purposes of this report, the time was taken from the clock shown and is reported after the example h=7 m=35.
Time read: h=11 m=21
